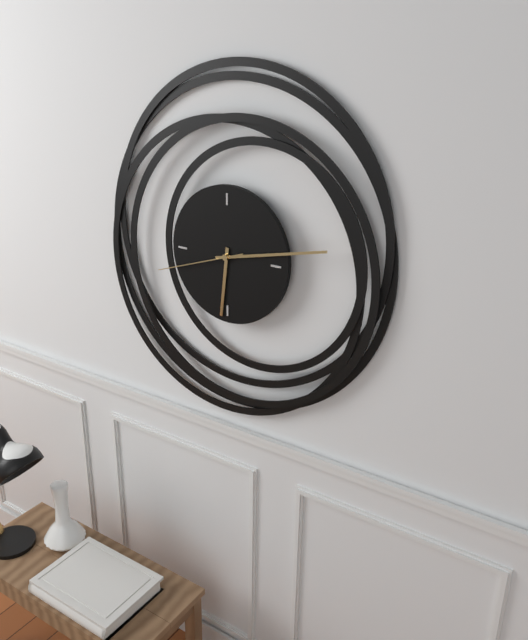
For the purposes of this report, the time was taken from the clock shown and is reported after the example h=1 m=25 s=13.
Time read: h=6 m=13 s=42
